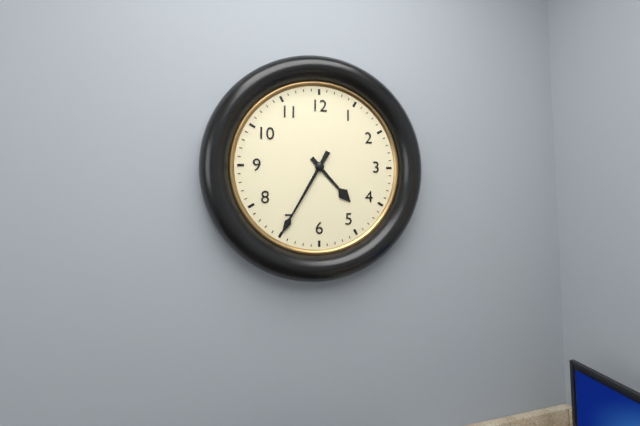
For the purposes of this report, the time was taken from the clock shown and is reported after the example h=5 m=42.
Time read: h=4 m=35
